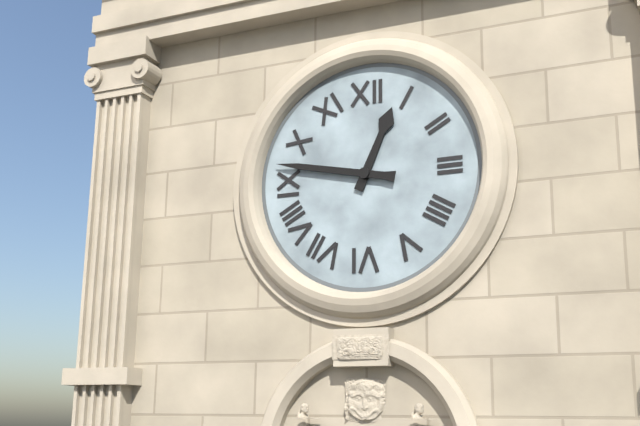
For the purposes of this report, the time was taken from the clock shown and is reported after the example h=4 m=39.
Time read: h=12 m=47
